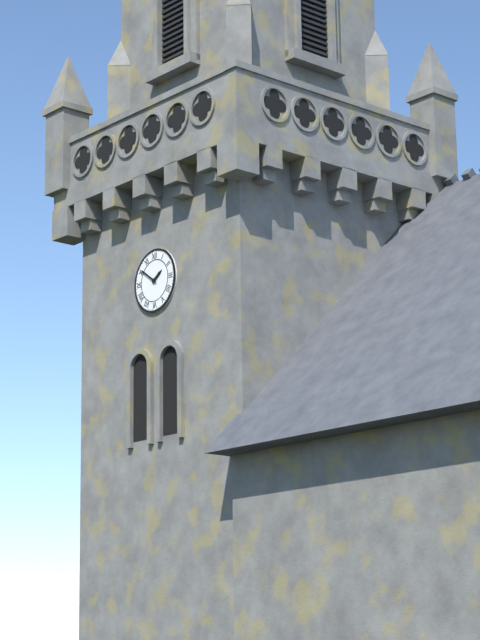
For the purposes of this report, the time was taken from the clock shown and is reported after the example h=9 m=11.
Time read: h=1 m=51
